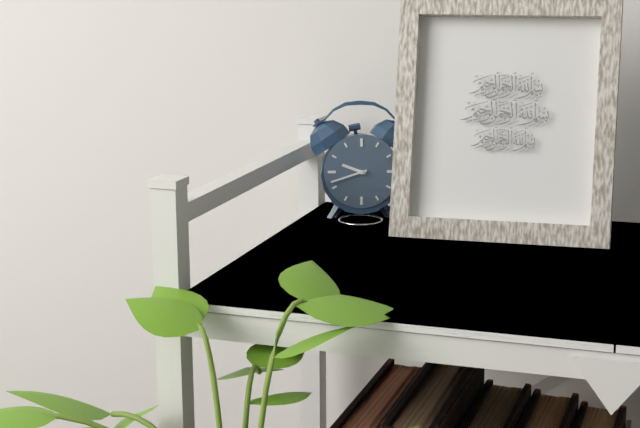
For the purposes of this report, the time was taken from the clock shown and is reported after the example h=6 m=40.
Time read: h=9 m=42
